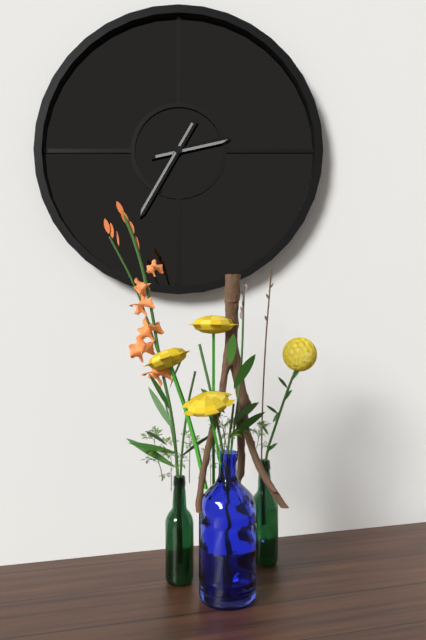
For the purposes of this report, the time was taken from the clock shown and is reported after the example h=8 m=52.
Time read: h=2 m=35
